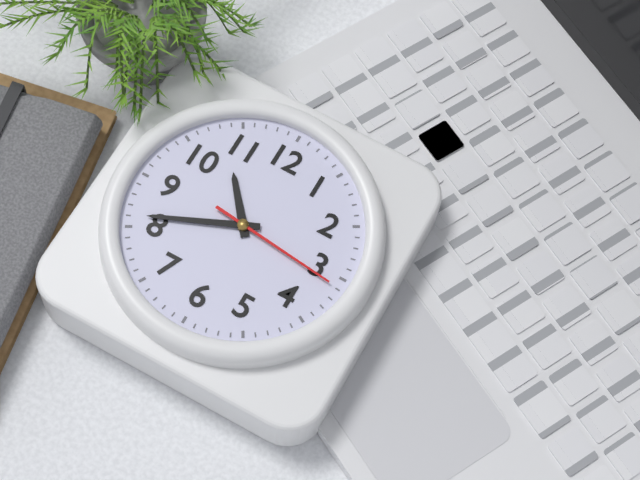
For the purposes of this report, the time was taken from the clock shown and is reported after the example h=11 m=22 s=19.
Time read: h=10 m=41 s=16
